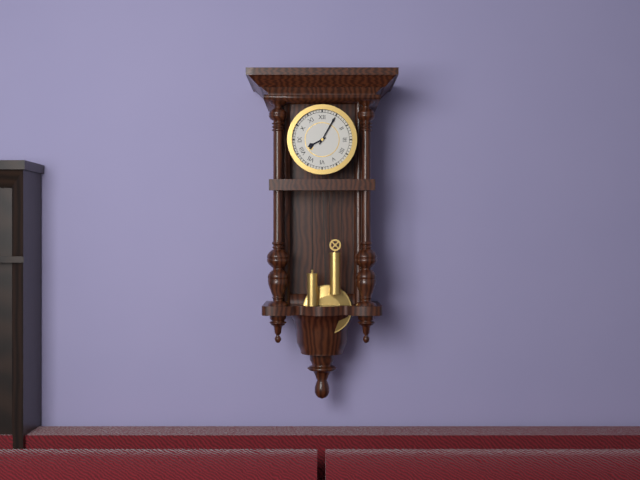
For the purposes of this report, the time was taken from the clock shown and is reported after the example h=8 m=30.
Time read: h=8 m=5
